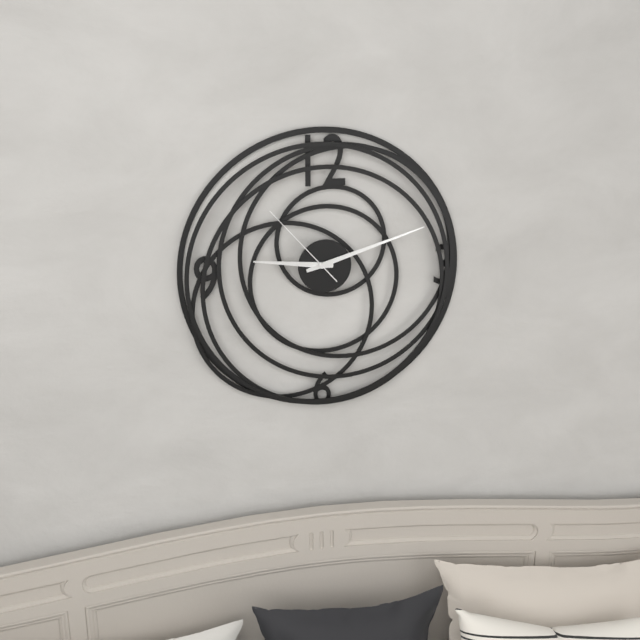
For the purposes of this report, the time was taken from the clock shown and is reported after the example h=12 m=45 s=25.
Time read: h=9 m=12 s=53
